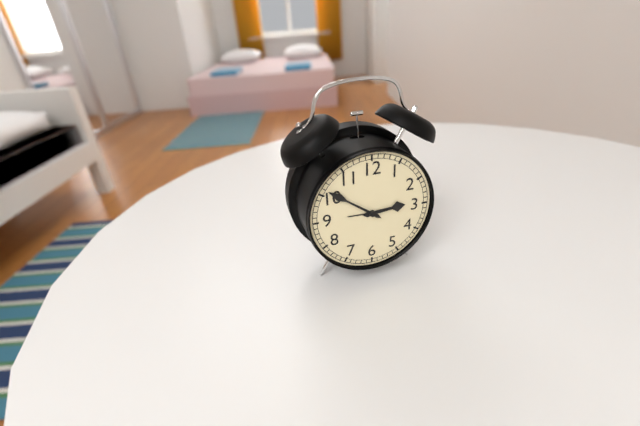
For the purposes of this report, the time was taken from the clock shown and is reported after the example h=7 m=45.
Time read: h=2 m=51
